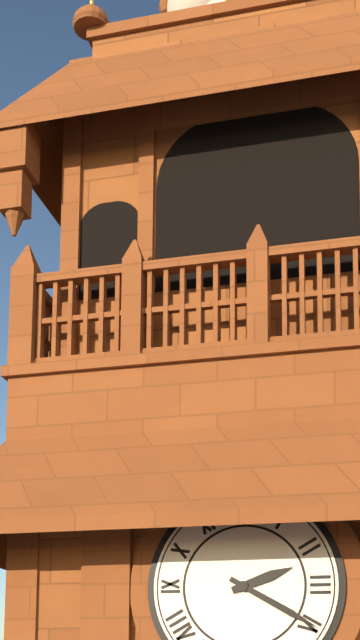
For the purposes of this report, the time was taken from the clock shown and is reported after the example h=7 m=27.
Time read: h=2 m=20
